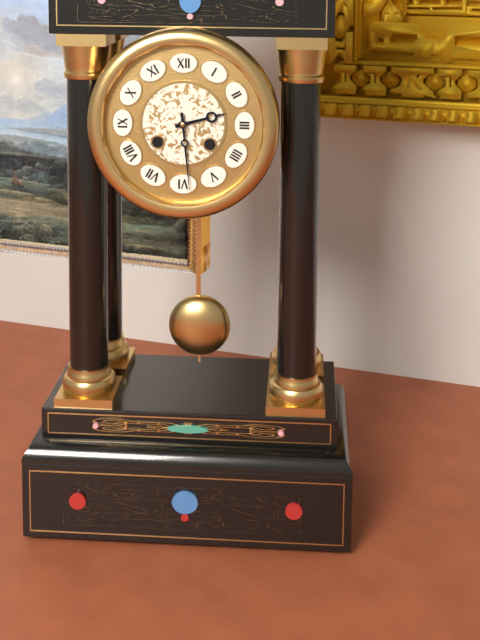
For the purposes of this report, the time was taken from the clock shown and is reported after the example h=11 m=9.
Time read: h=2 m=29
